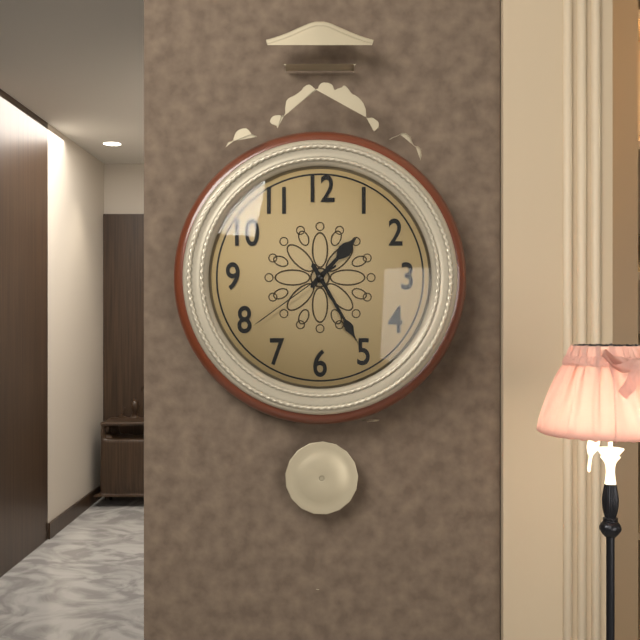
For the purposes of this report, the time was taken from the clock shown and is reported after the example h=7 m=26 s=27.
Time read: h=1 m=25 s=39
